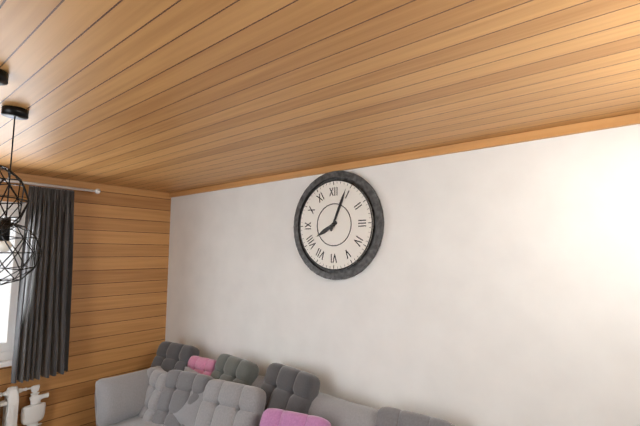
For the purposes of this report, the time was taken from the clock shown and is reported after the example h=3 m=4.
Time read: h=8 m=4
